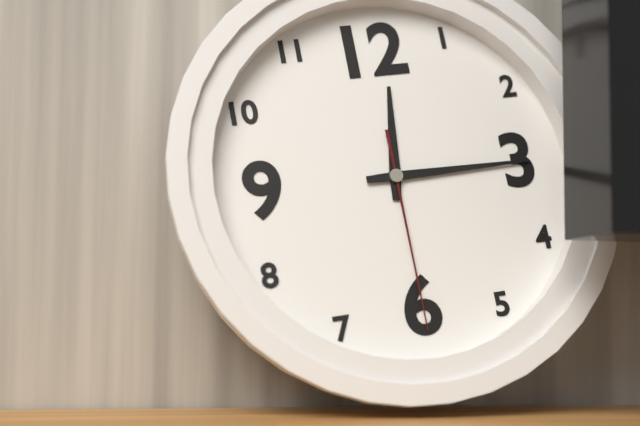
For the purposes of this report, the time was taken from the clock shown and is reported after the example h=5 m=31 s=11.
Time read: h=12 m=15 s=30
